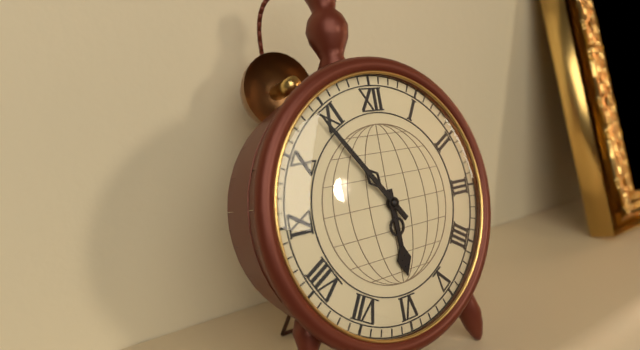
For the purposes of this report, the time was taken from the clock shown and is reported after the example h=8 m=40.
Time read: h=5 m=54
